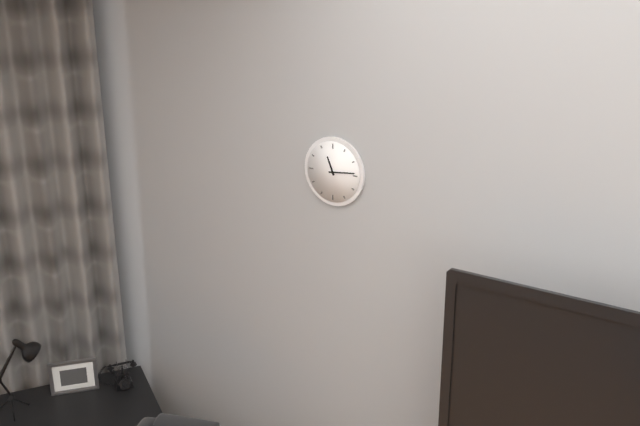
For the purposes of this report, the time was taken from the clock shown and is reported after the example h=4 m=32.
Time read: h=11 m=14
